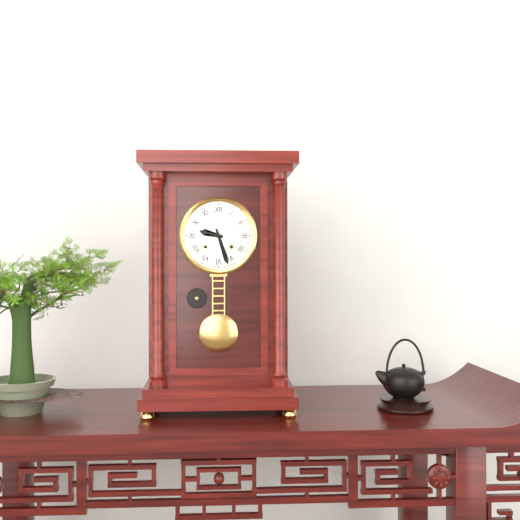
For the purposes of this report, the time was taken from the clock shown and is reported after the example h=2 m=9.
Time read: h=9 m=27
